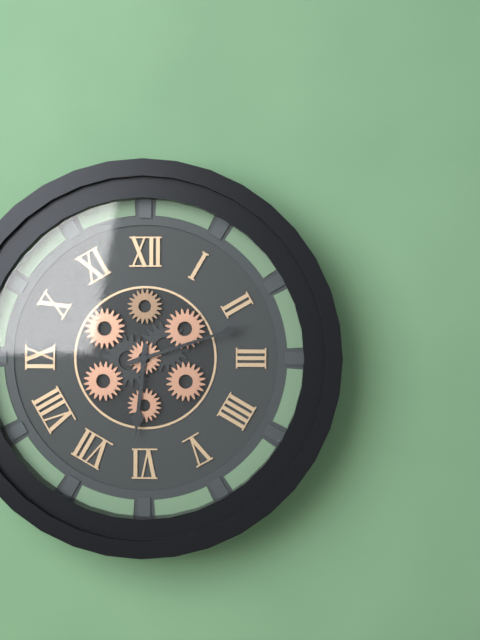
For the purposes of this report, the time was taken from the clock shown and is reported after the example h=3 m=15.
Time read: h=6 m=12
